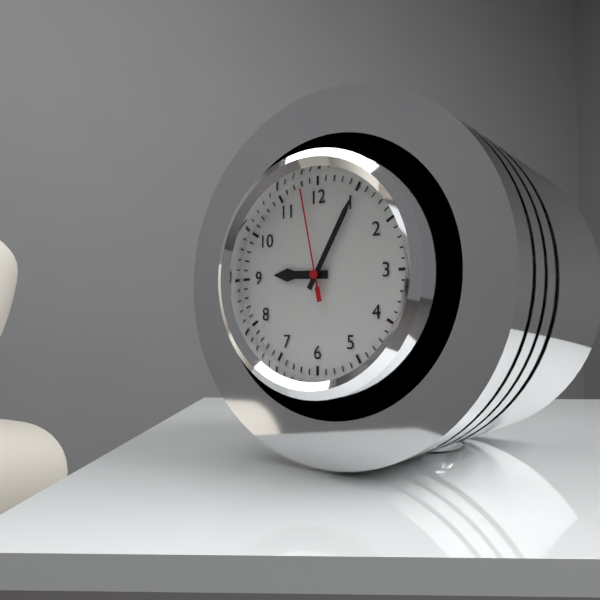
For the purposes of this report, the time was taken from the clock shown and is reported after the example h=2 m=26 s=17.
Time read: h=9 m=5 s=58
